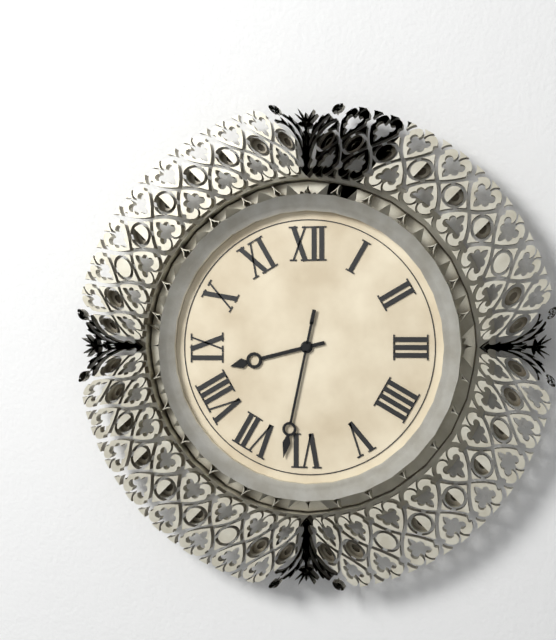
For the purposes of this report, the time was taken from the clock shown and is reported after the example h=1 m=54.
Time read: h=8 m=32
